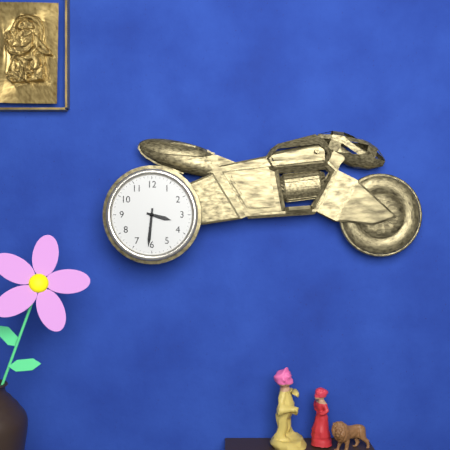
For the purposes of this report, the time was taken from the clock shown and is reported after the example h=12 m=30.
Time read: h=3 m=31
